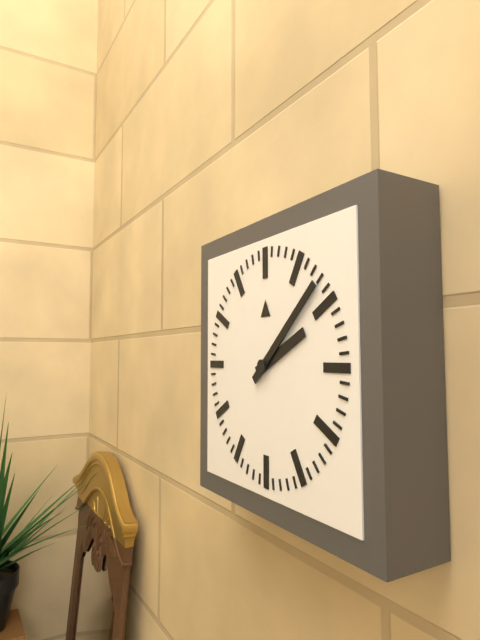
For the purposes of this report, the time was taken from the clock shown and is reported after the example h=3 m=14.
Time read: h=2 m=8
